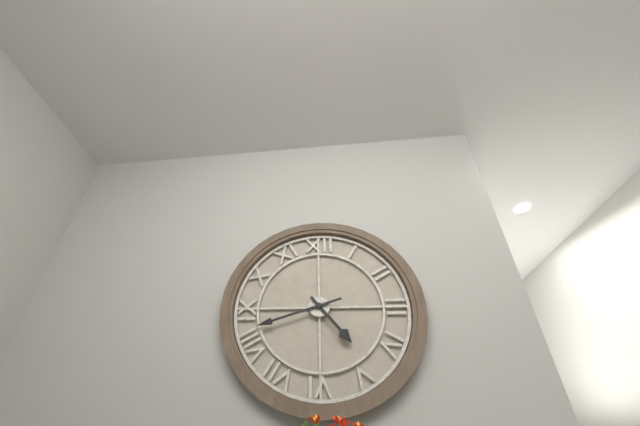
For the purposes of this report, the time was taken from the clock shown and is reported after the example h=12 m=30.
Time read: h=4 m=42
